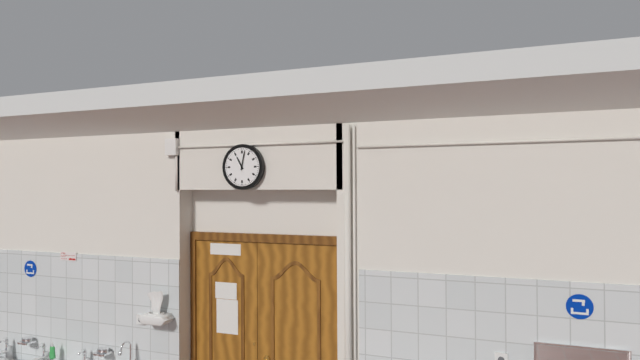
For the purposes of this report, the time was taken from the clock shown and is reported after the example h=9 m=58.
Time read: h=11 m=2
